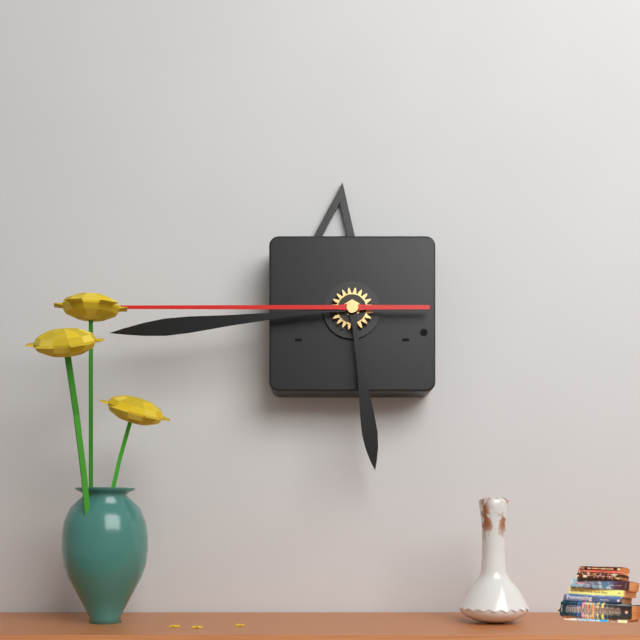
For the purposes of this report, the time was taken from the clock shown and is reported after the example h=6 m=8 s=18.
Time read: h=5 m=44 s=45
